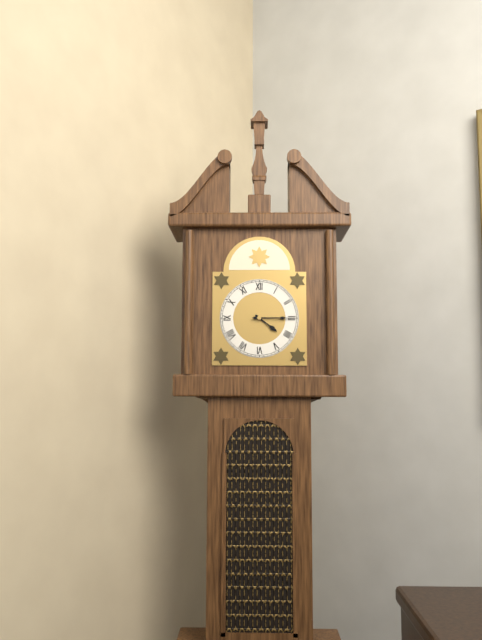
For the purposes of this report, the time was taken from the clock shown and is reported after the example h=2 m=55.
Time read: h=4 m=15
